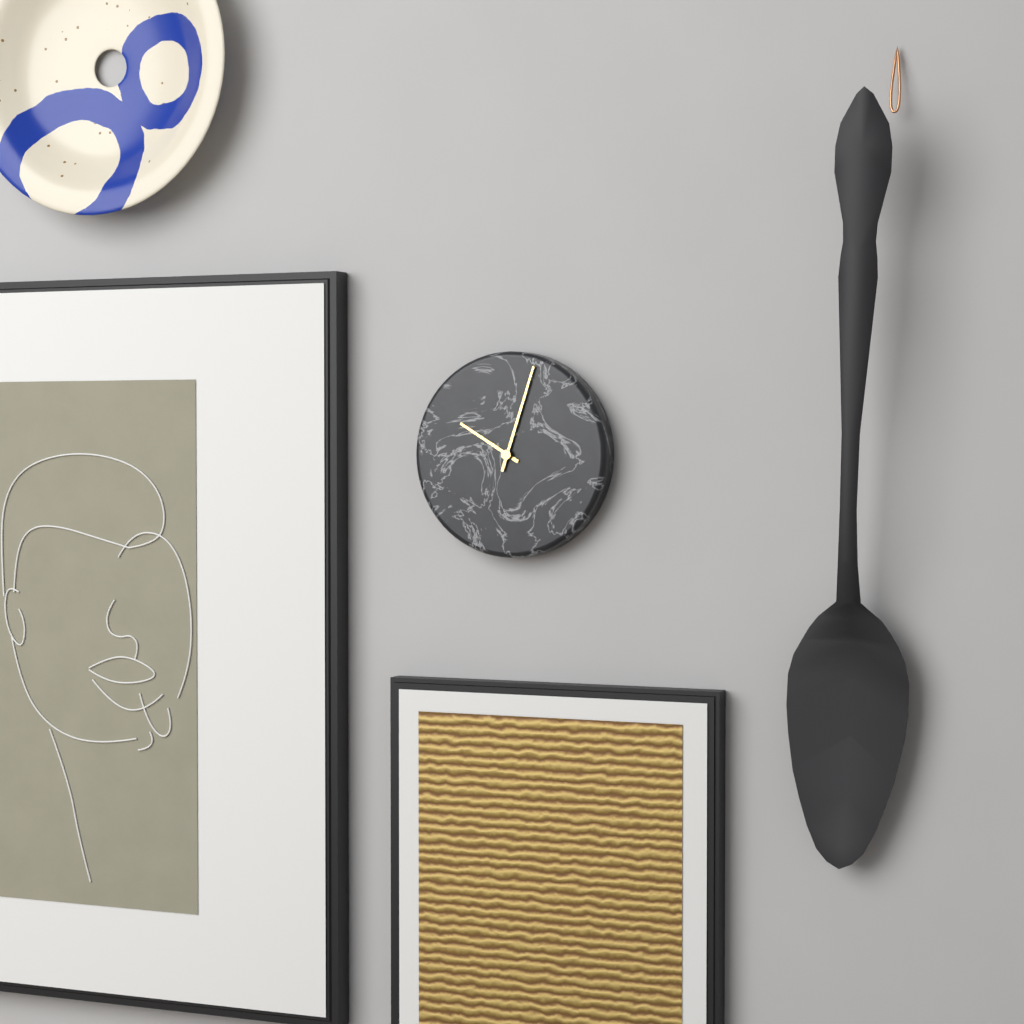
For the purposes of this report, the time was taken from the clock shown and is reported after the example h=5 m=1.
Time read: h=10 m=3
